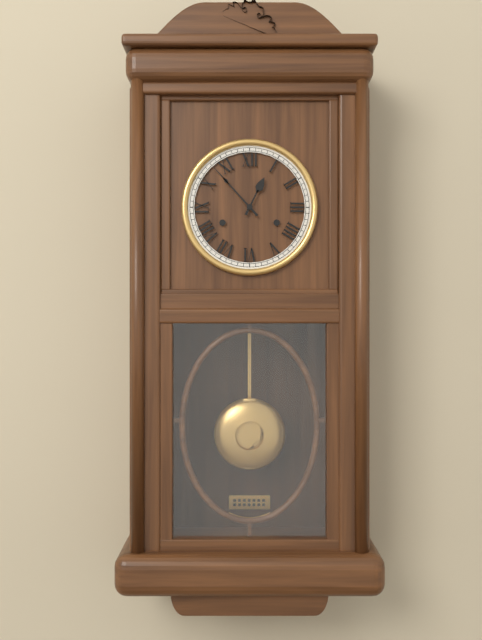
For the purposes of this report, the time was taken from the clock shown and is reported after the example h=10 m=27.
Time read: h=12 m=53
